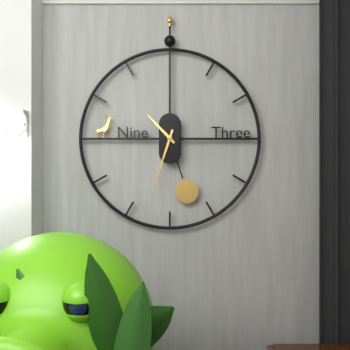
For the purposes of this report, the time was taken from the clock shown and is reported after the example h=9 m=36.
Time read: h=10 m=33
